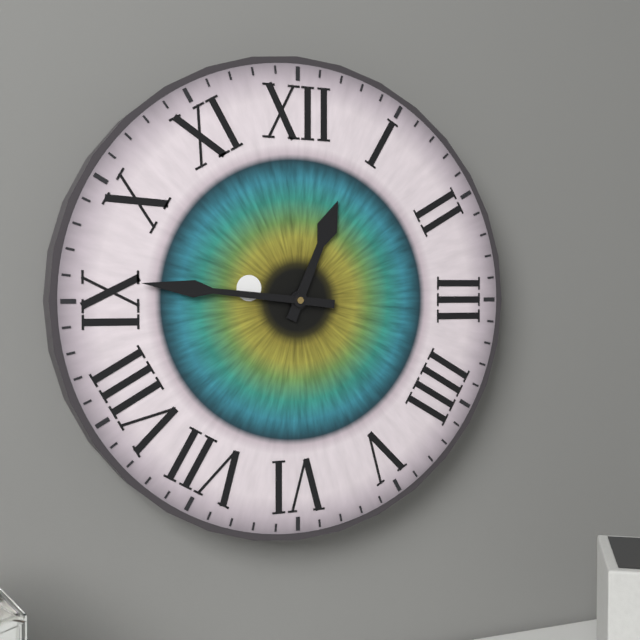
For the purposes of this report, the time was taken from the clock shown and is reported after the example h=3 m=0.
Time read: h=12 m=46
